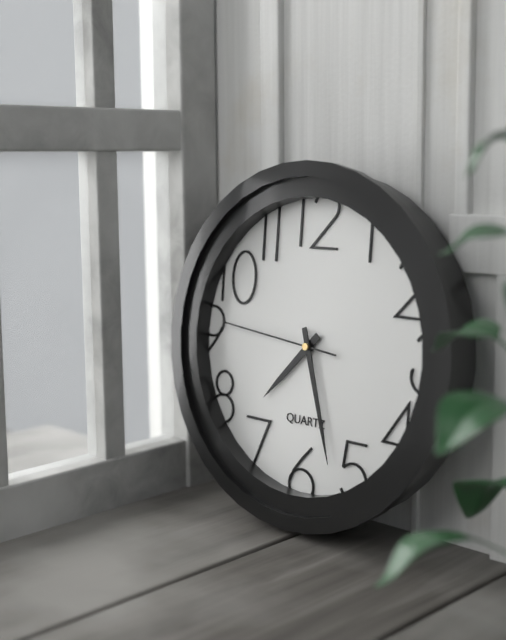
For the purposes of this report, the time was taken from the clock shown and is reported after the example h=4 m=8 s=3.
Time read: h=7 m=27 s=46
